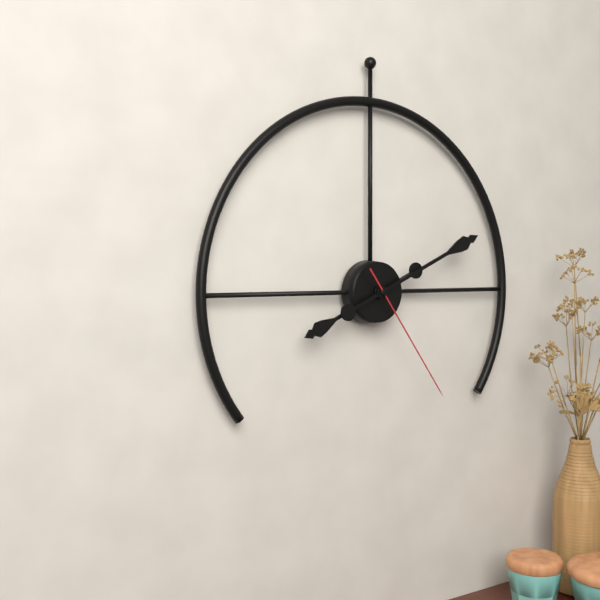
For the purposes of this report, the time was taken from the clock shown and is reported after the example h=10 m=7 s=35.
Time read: h=8 m=11 s=24
